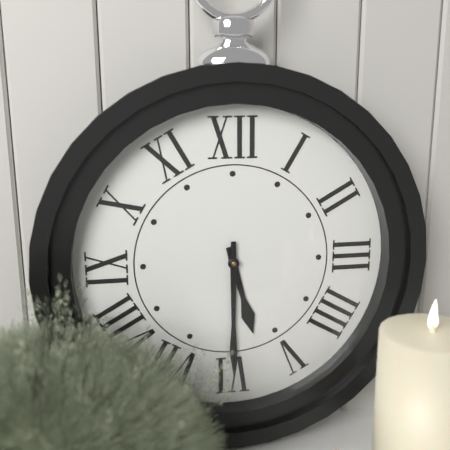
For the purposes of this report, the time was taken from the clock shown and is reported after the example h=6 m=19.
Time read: h=5 m=30
